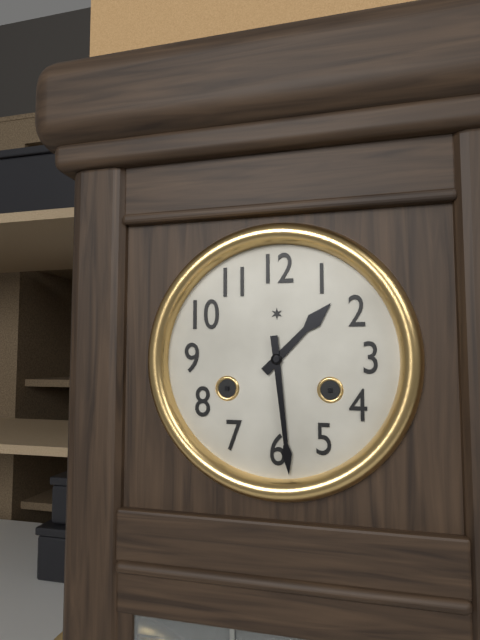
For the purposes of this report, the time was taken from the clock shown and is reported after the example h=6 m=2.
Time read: h=1 m=29
